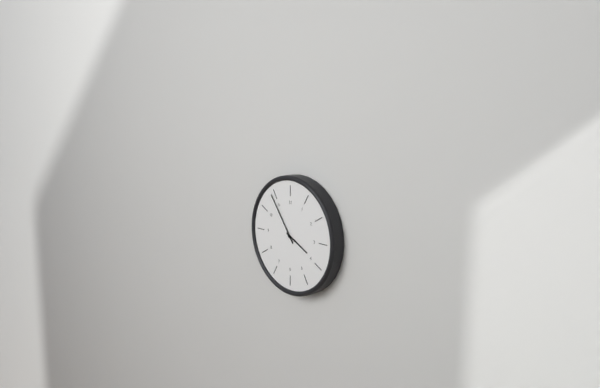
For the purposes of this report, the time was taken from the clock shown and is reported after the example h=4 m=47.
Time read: h=3 m=54
